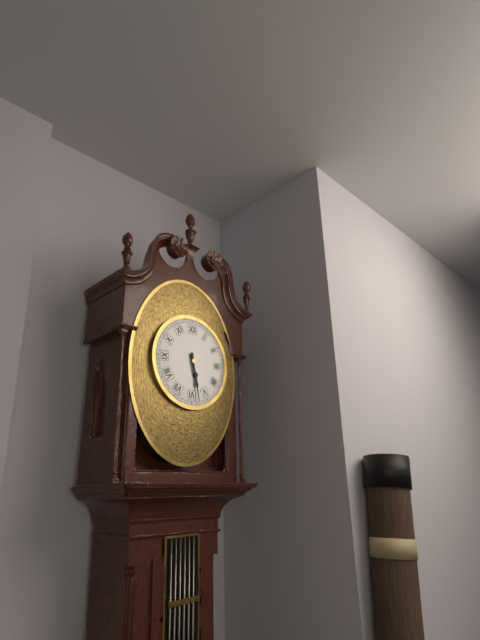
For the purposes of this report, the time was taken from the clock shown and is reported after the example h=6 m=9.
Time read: h=5 m=28
